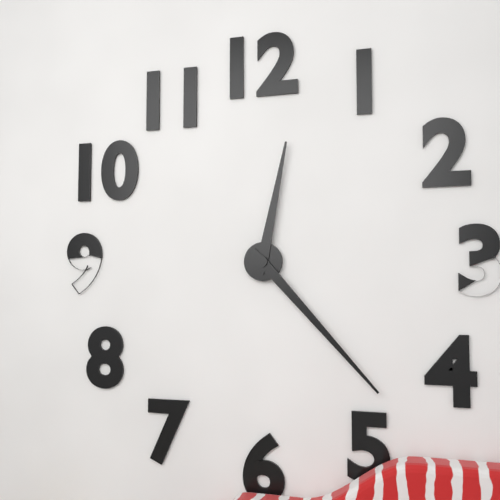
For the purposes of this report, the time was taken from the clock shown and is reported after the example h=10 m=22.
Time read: h=12 m=23
